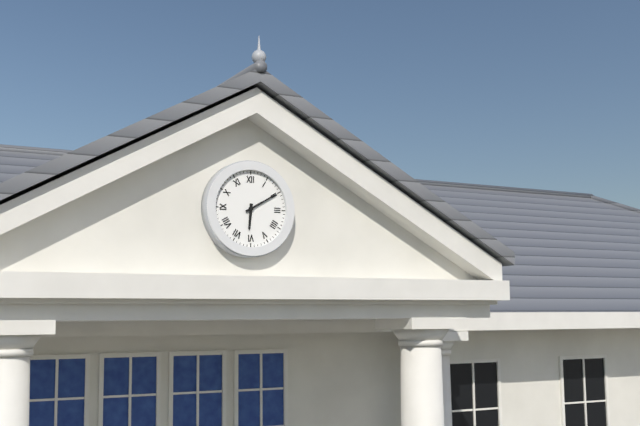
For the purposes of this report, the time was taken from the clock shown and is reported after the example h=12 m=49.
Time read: h=6 m=10
